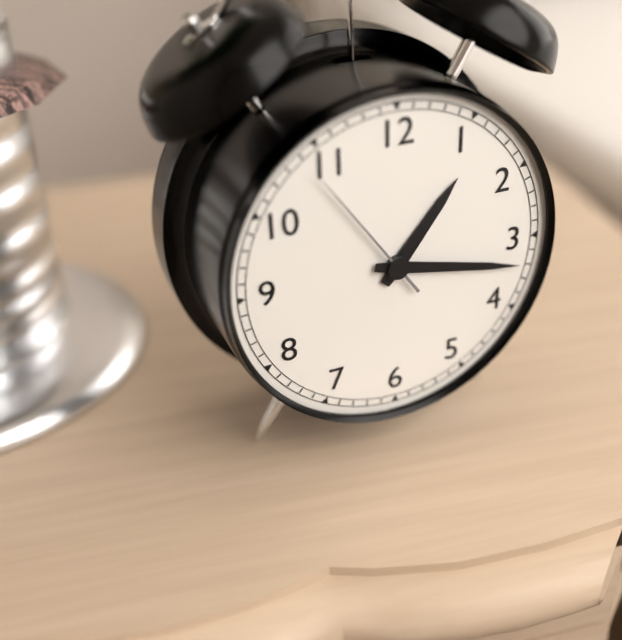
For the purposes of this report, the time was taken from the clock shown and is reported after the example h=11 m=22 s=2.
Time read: h=1 m=17 s=54
